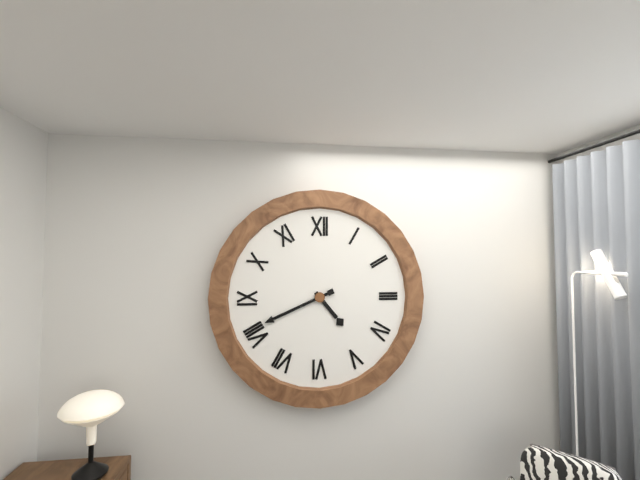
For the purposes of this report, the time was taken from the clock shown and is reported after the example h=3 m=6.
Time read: h=4 m=41
